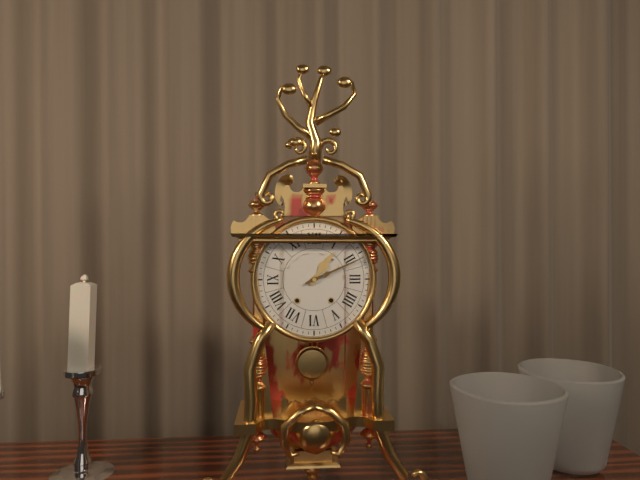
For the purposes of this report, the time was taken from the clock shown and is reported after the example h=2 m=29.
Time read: h=1 m=11
